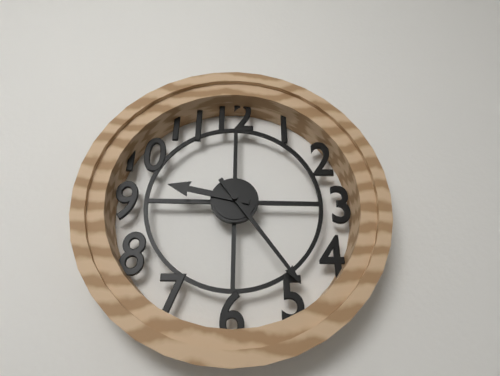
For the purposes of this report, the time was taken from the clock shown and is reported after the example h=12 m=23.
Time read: h=9 m=24
